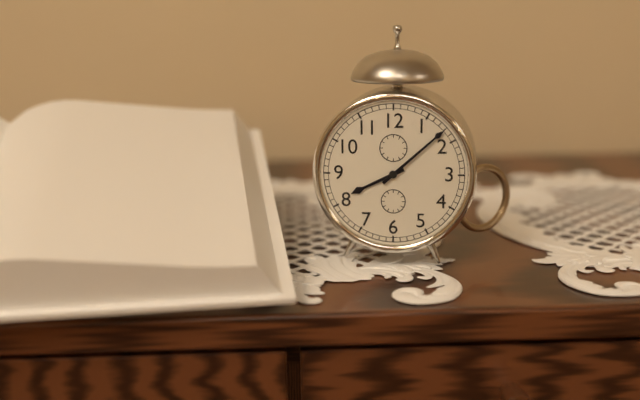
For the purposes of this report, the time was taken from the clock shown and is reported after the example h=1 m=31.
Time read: h=8 m=8
